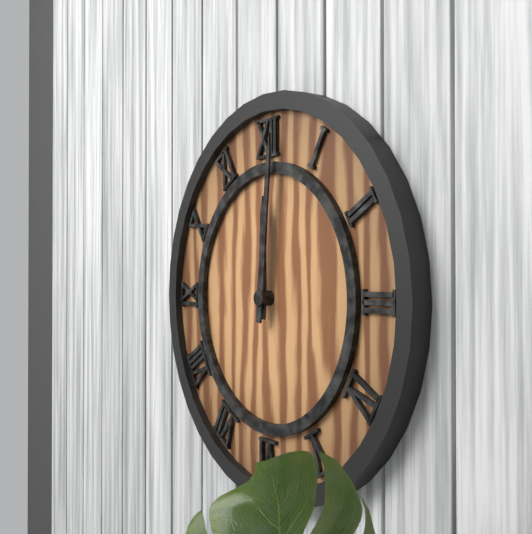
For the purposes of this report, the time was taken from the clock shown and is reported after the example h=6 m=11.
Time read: h=12 m=1
